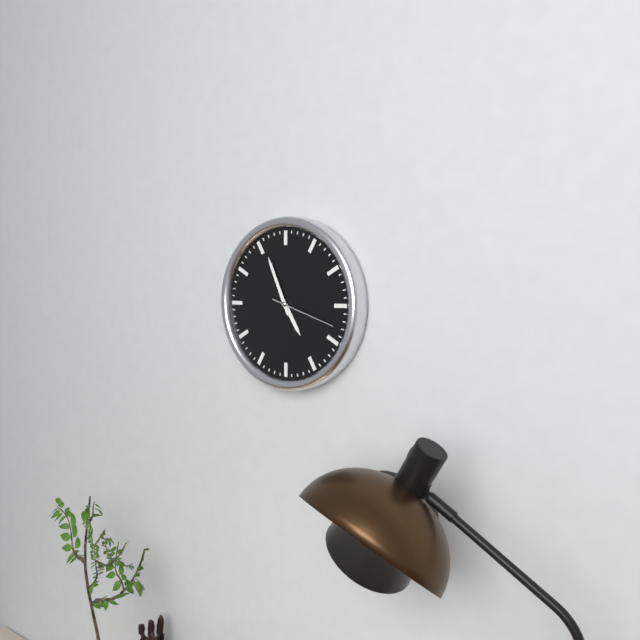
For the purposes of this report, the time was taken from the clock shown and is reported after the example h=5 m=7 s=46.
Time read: h=4 m=56 s=18
